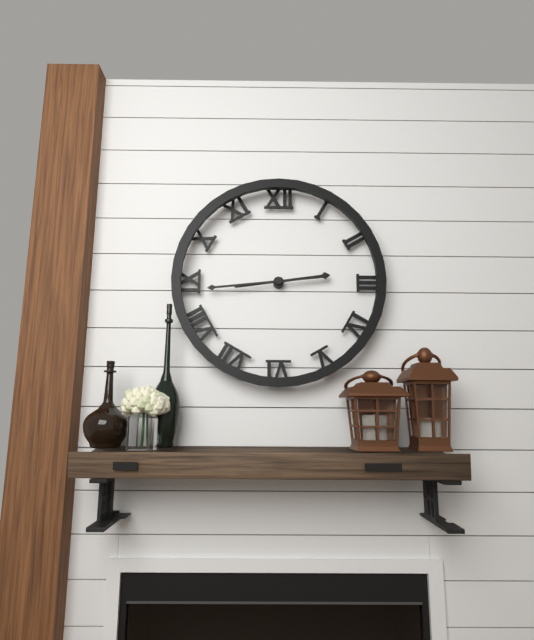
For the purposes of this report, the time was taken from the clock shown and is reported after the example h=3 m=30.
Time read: h=2 m=44
